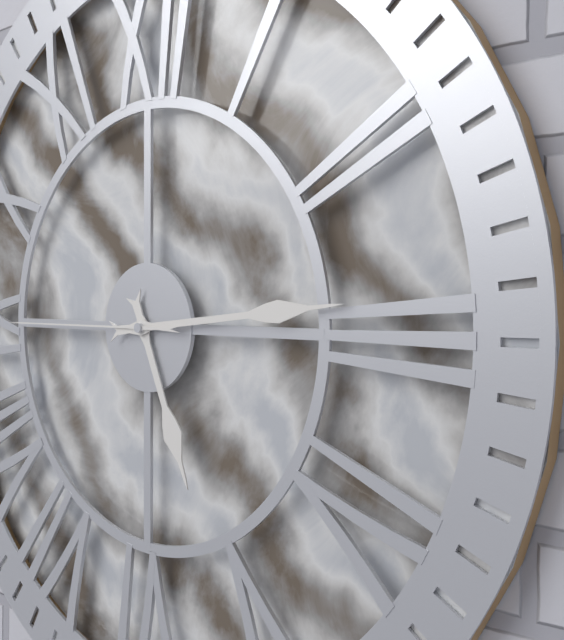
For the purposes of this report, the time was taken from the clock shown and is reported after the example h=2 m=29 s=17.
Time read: h=5 m=14 s=45
